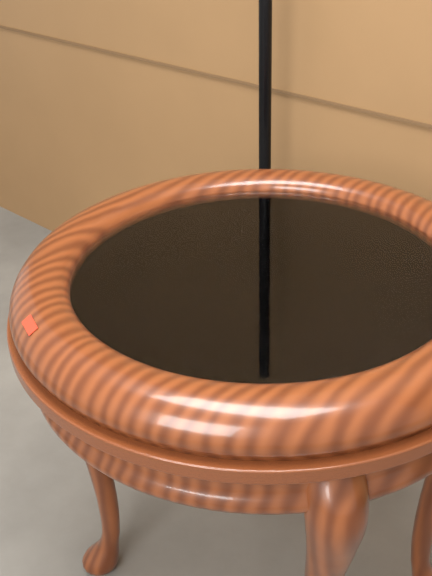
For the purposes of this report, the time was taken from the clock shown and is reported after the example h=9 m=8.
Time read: h=4 m=53
